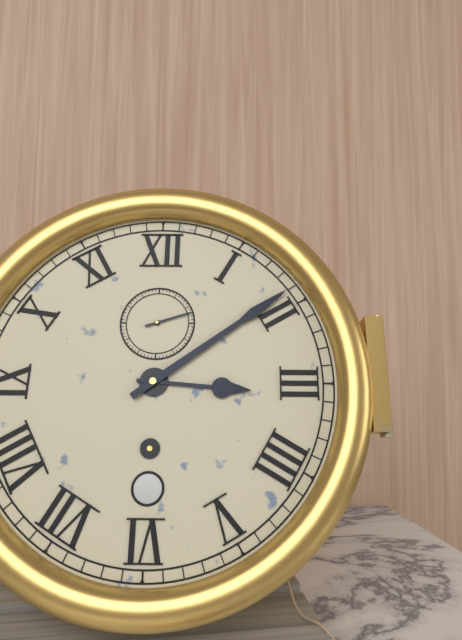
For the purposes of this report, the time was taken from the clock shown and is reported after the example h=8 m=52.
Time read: h=3 m=9
